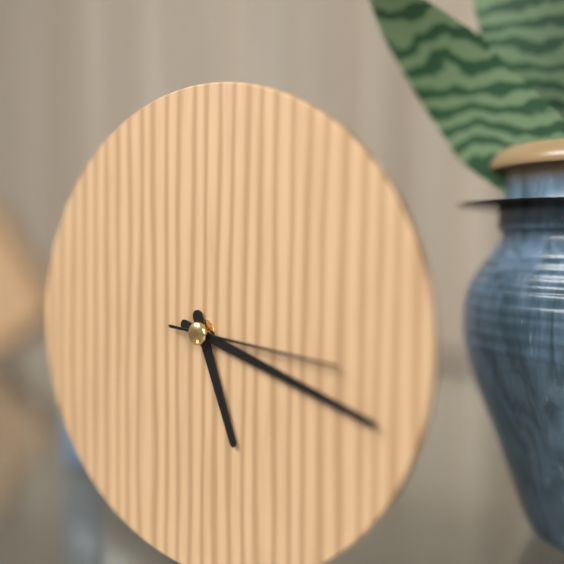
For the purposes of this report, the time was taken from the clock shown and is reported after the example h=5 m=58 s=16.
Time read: h=5 m=18 s=16
